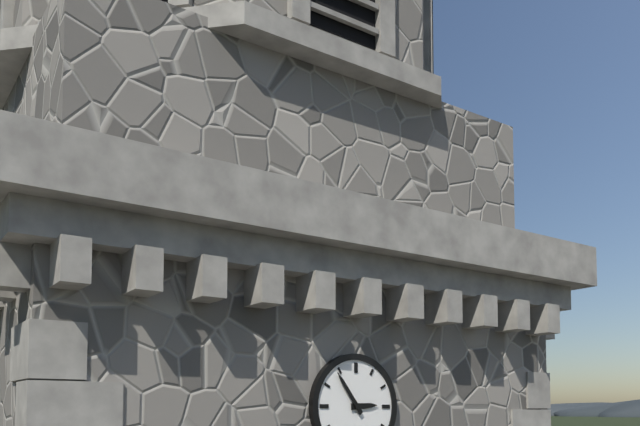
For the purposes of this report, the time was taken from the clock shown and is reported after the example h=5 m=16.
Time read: h=2 m=54
